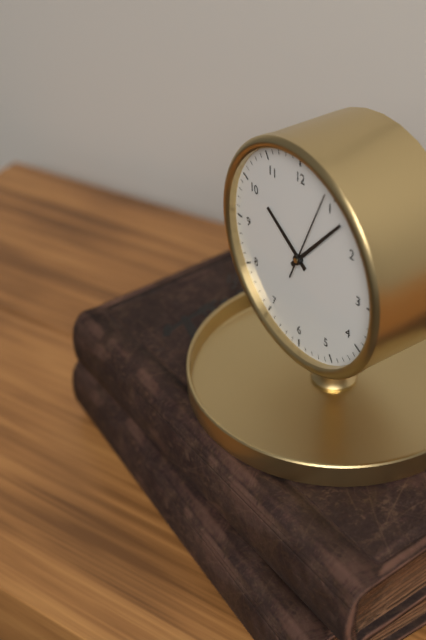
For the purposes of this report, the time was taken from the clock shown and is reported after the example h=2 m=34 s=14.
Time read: h=10 m=7 s=4
